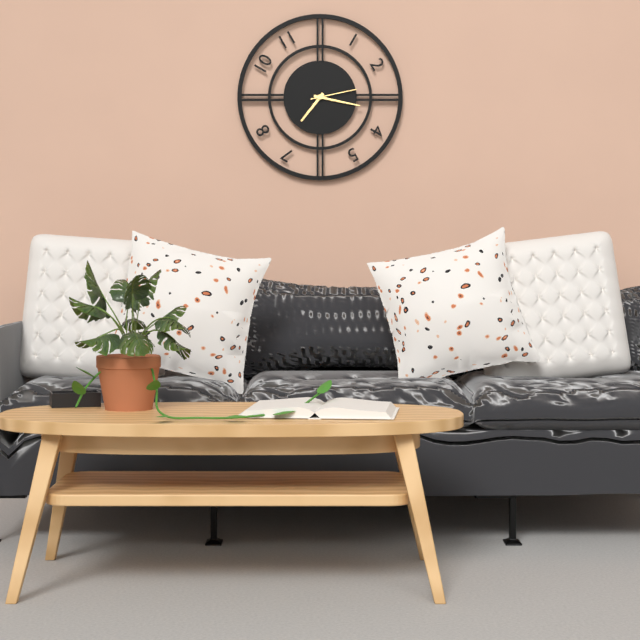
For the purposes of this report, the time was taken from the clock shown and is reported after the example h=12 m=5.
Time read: h=7 m=17
